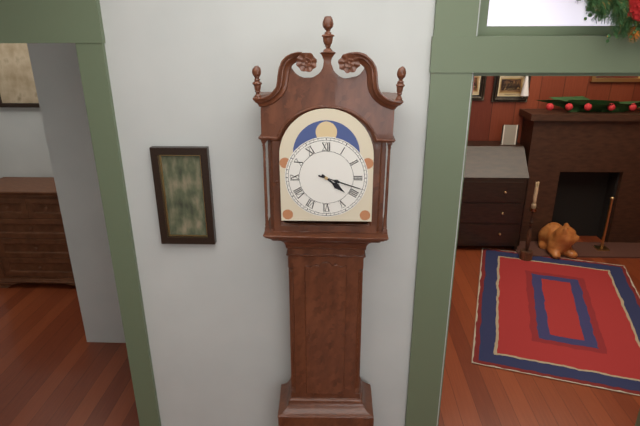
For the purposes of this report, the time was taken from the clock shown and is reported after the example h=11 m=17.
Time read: h=4 m=18
